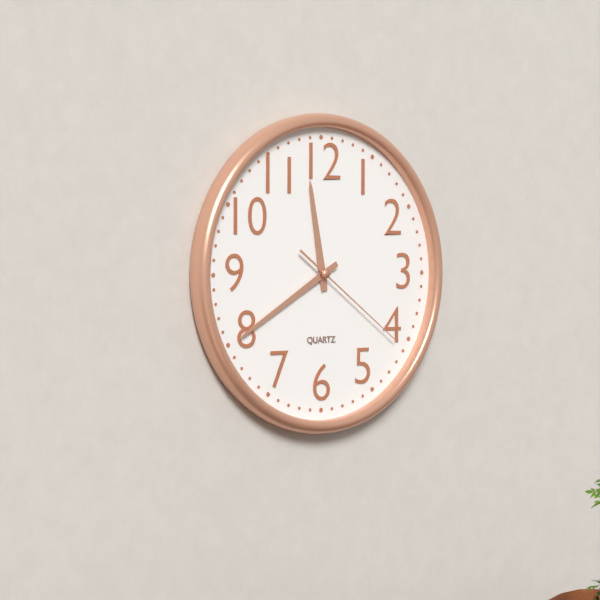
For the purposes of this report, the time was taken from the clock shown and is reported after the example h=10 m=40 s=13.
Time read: h=11 m=40 s=21
